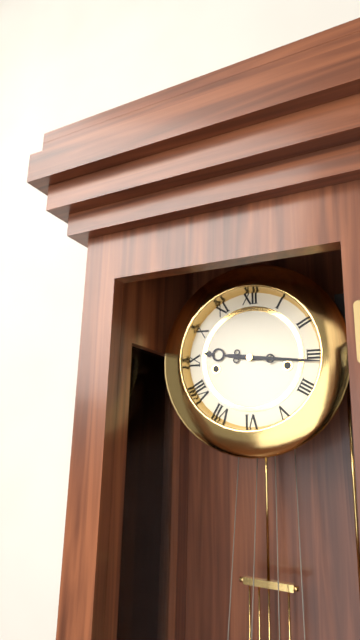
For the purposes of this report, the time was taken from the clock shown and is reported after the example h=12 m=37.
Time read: h=9 m=16
